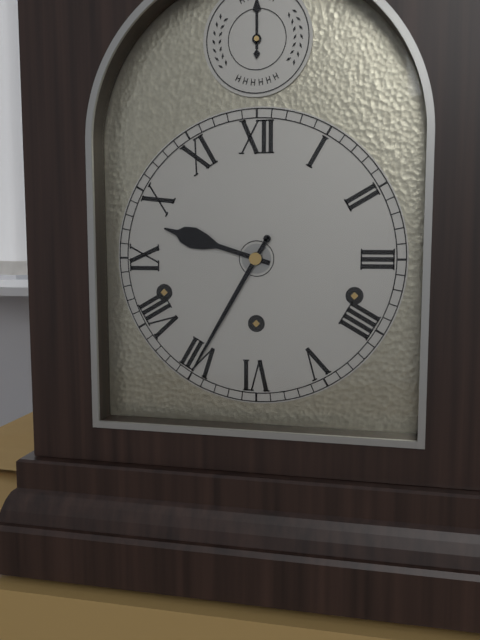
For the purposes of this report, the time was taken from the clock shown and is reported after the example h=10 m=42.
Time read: h=9 m=35
